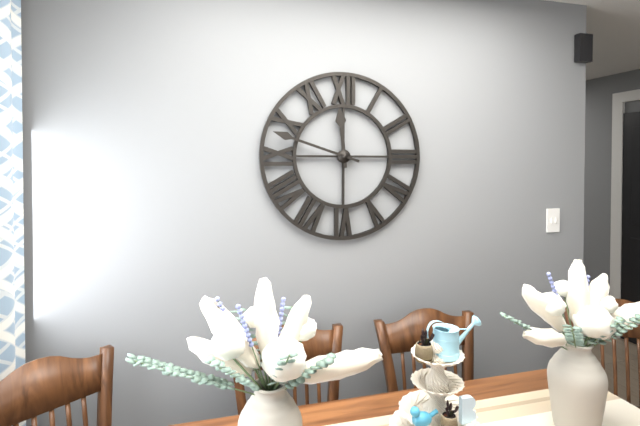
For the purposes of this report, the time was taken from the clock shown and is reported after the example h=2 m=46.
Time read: h=11 m=48
